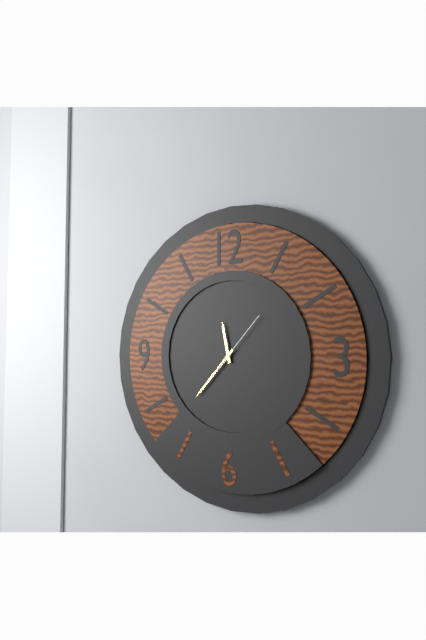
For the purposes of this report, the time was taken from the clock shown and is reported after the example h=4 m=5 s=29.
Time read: h=11 m=37 s=7
